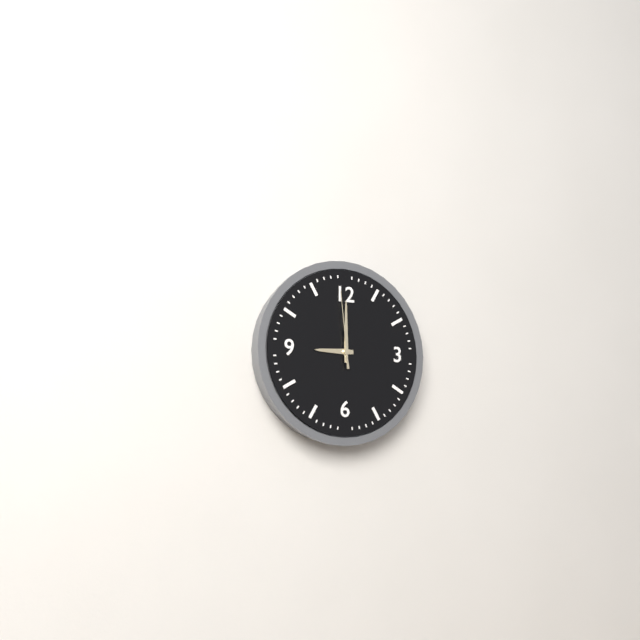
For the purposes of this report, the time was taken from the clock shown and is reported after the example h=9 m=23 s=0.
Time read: h=9 m=0 s=59
